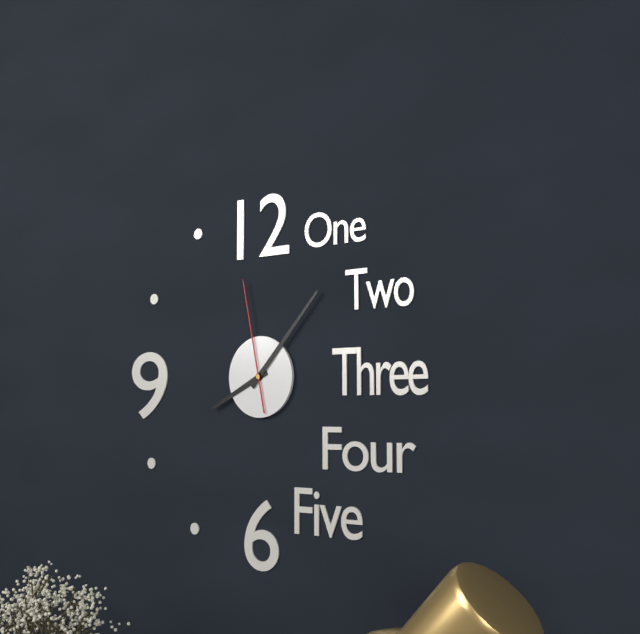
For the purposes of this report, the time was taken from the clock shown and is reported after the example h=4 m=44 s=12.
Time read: h=8 m=7 s=58
